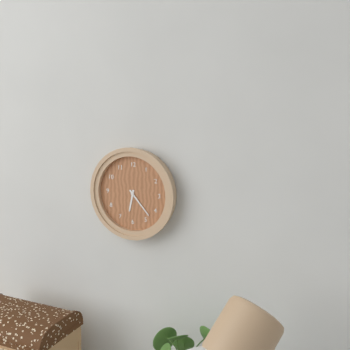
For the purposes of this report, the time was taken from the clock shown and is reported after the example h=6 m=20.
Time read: h=6 m=23
